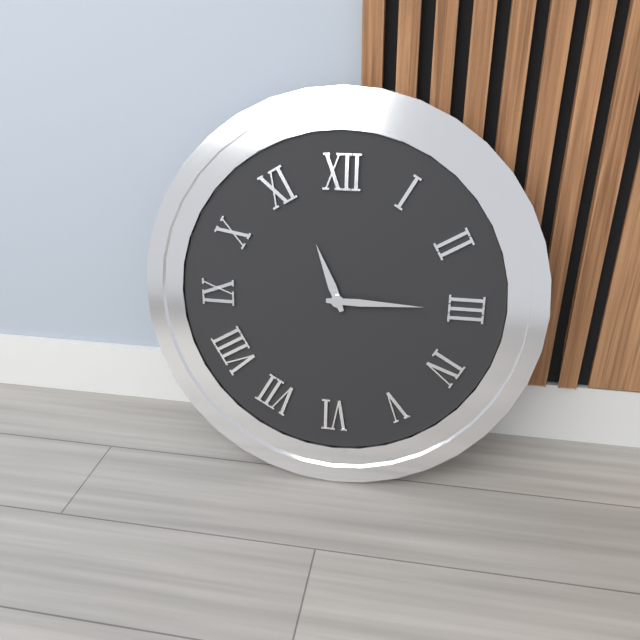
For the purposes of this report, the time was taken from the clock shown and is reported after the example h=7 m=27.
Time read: h=11 m=15
